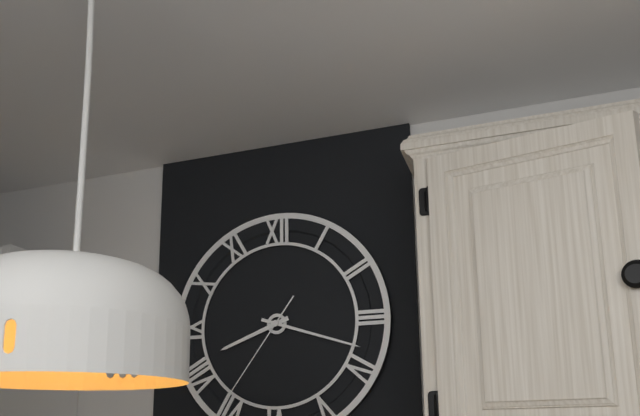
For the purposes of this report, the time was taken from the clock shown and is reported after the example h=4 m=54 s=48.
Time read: h=8 m=18 s=36
